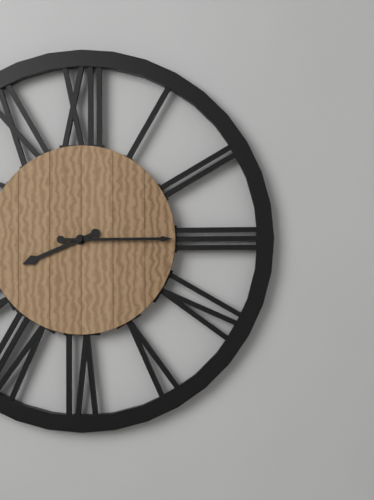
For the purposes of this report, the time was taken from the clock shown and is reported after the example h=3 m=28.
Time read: h=8 m=15
